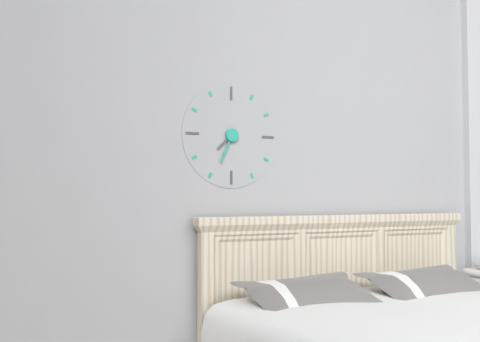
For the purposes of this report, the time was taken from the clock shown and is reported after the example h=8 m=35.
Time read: h=7 m=34
